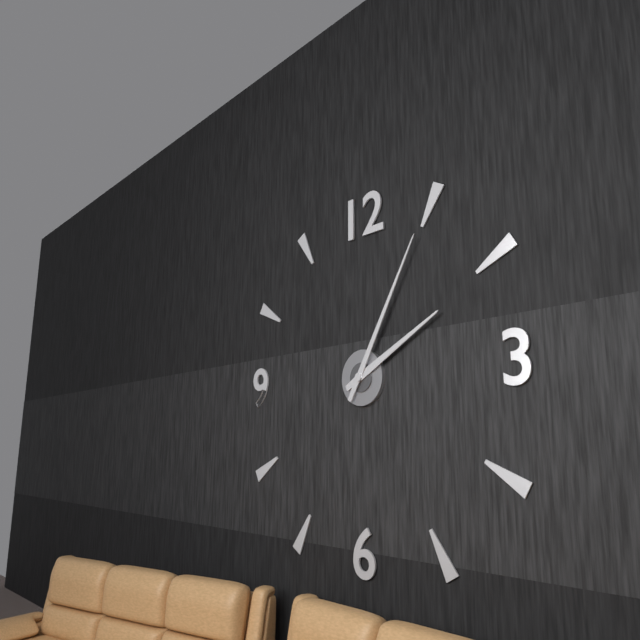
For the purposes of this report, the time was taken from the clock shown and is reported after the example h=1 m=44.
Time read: h=2 m=5
